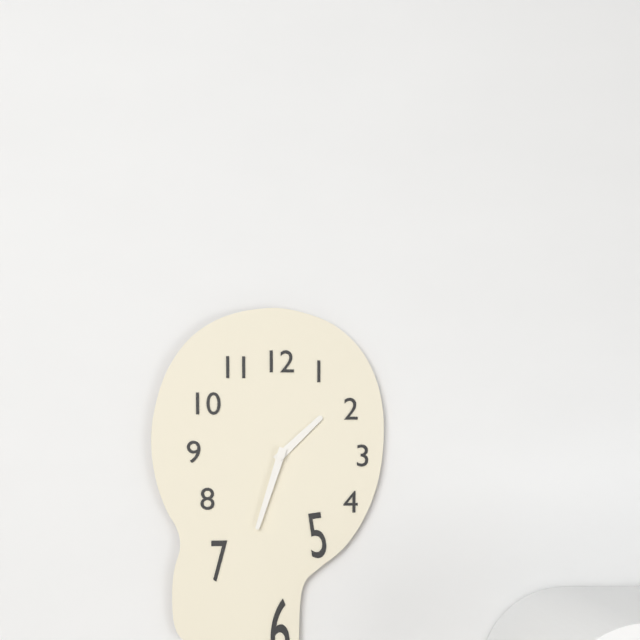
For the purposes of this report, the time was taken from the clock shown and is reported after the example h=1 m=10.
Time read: h=1 m=33
